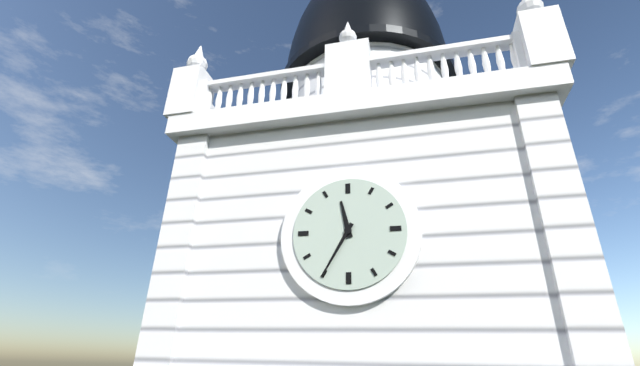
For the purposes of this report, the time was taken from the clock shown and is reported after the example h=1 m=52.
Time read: h=11 m=35
